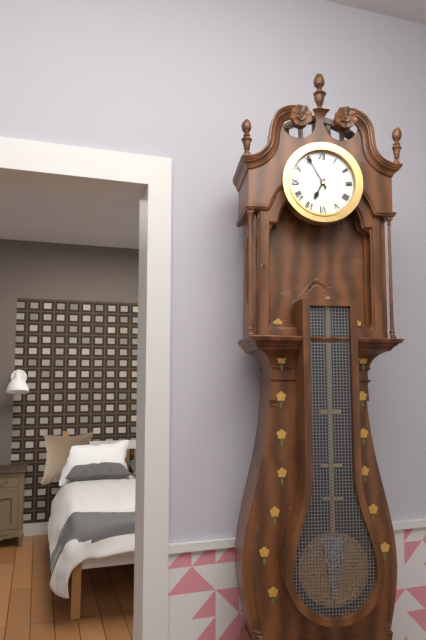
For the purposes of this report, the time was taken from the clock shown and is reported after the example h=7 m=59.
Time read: h=6 m=55
